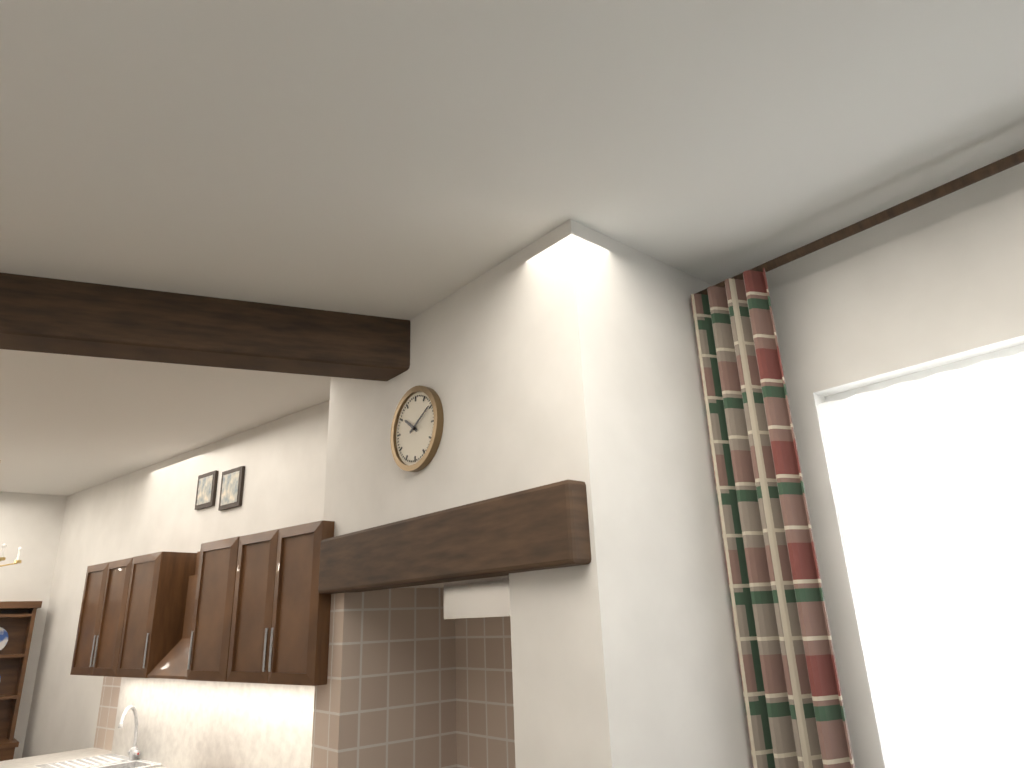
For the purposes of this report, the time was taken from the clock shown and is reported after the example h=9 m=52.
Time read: h=10 m=10
